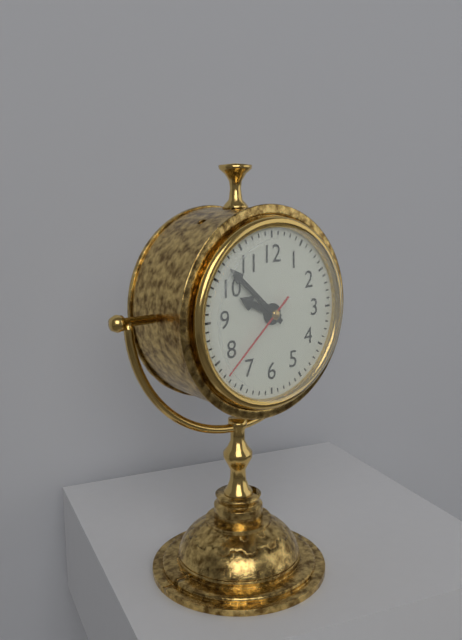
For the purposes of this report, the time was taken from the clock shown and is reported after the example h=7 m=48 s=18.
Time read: h=9 m=52 s=38
